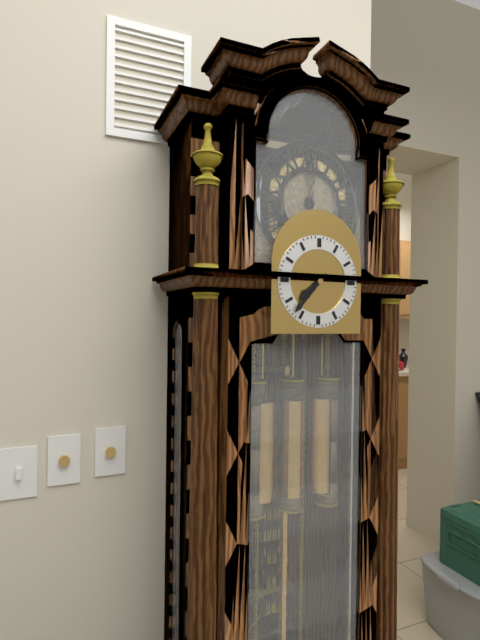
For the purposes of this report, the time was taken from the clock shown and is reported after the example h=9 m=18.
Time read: h=7 m=37
